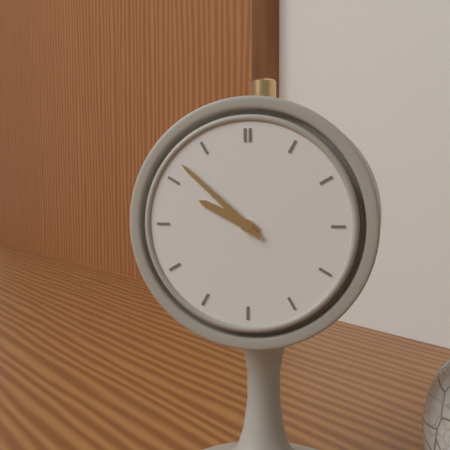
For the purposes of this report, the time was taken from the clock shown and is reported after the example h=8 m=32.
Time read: h=9 m=52
